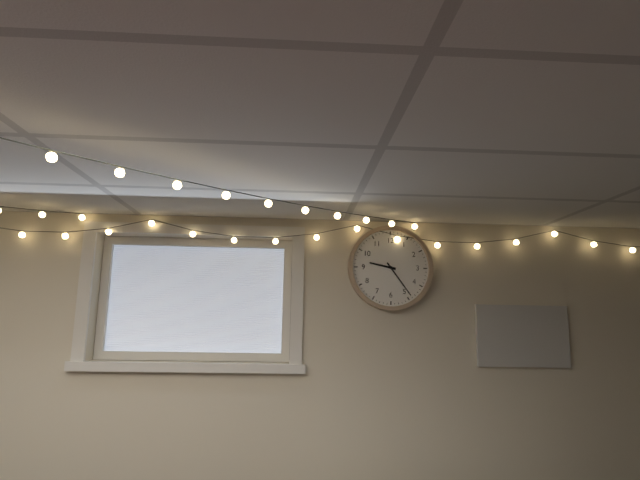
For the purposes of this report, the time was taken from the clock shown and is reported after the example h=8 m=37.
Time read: h=9 m=24
